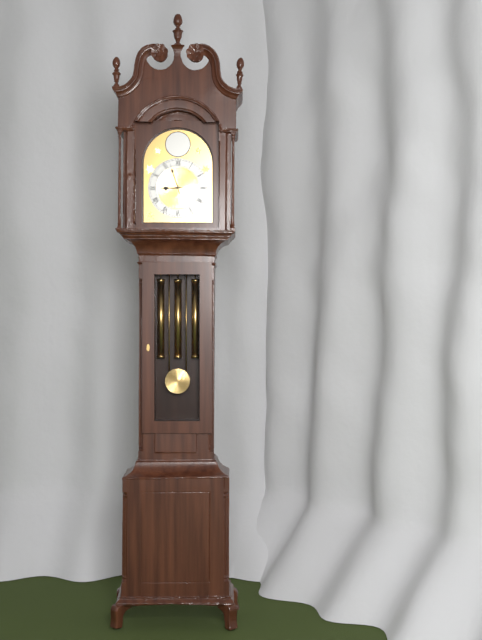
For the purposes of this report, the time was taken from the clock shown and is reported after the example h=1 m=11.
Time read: h=8 m=57
